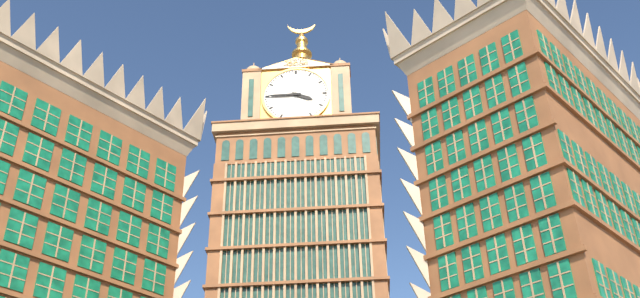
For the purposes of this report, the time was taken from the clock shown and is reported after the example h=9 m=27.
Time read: h=3 m=45
